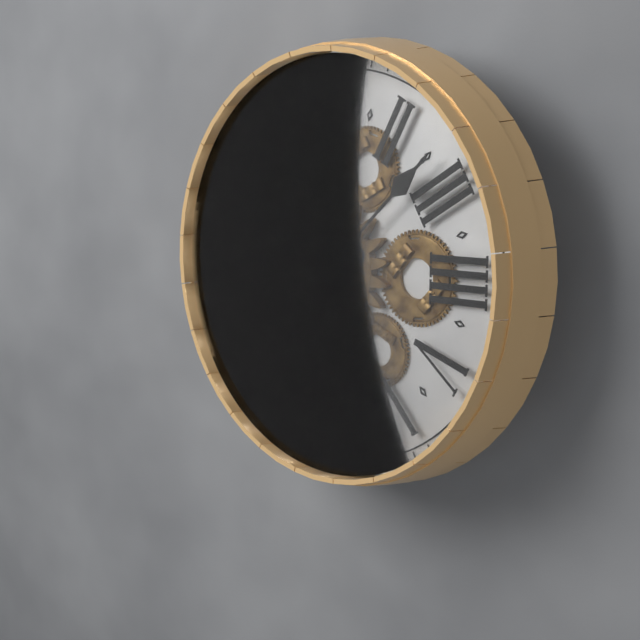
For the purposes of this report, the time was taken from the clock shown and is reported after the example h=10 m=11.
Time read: h=9 m=13
